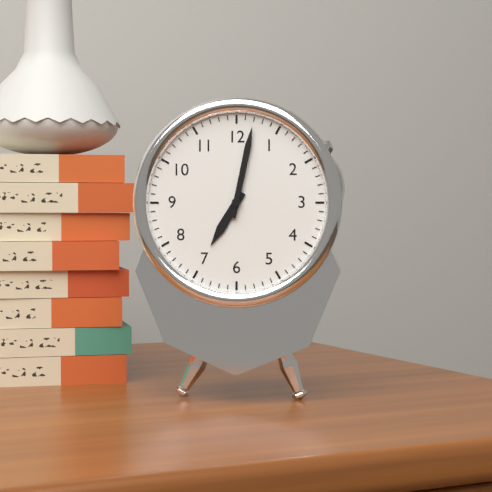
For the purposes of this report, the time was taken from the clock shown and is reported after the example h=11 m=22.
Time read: h=7 m=2
